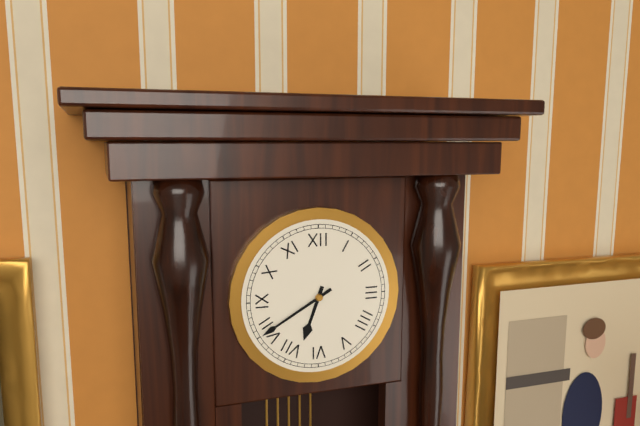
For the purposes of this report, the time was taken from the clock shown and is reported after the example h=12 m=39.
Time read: h=6 m=40
